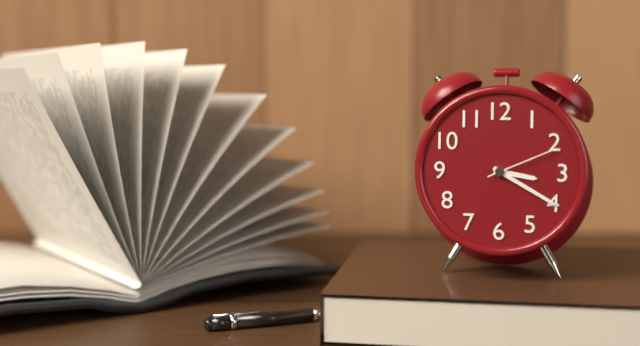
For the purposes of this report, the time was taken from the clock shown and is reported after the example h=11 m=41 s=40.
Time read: h=3 m=20 s=11
